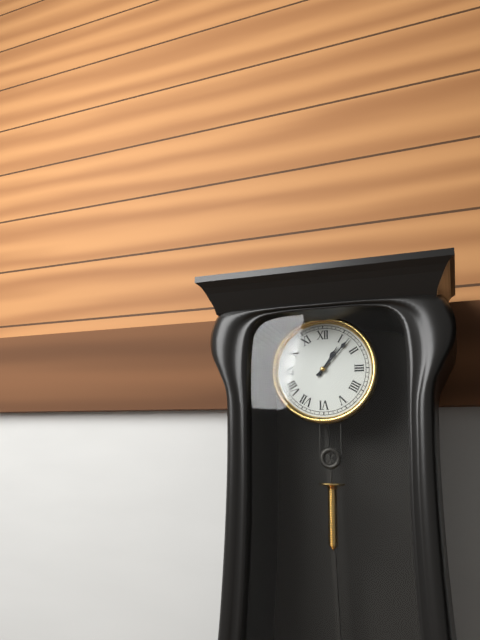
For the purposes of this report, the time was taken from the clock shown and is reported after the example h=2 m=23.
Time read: h=1 m=7
